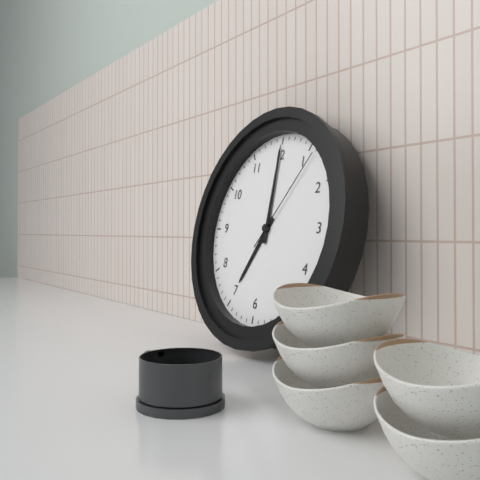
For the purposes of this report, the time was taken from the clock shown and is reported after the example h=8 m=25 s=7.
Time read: h=7 m=0 s=6
